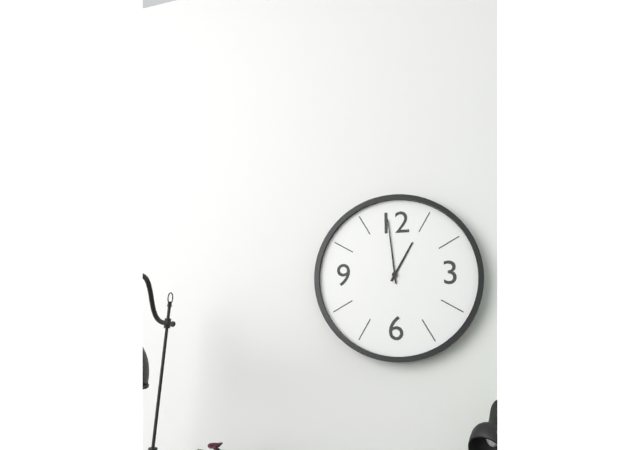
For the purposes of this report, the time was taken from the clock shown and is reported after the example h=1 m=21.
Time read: h=12 m=59
